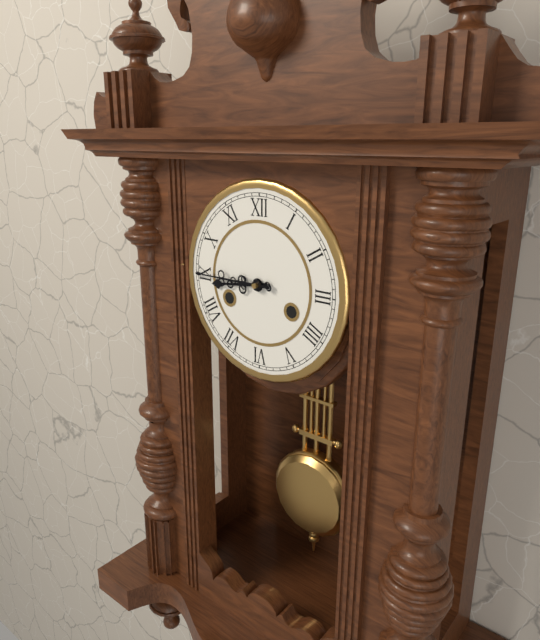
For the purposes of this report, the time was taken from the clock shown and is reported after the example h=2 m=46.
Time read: h=8 m=45
